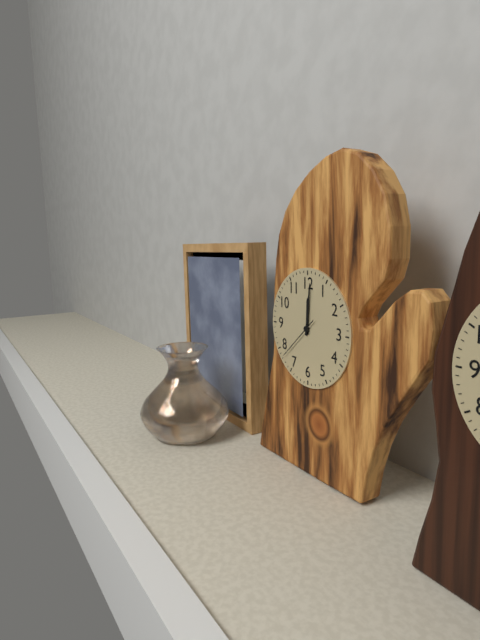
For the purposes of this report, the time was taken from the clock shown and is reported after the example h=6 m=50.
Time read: h=12 m=1
